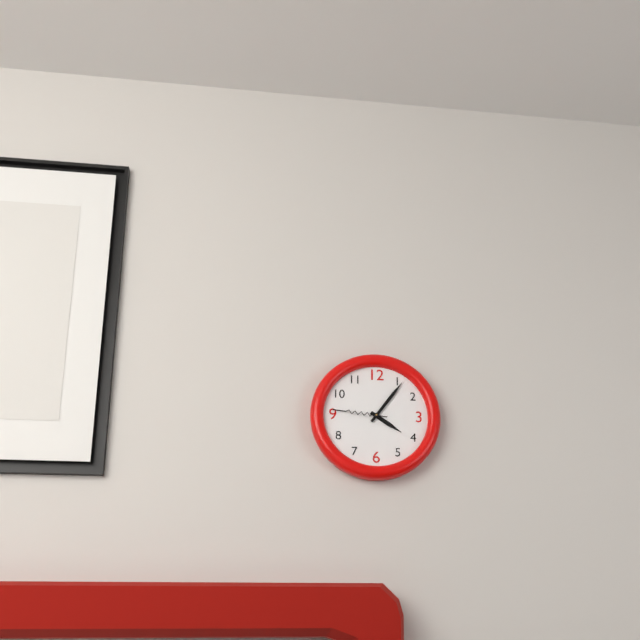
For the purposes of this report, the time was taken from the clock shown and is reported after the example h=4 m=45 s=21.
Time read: h=4 m=6 s=46
